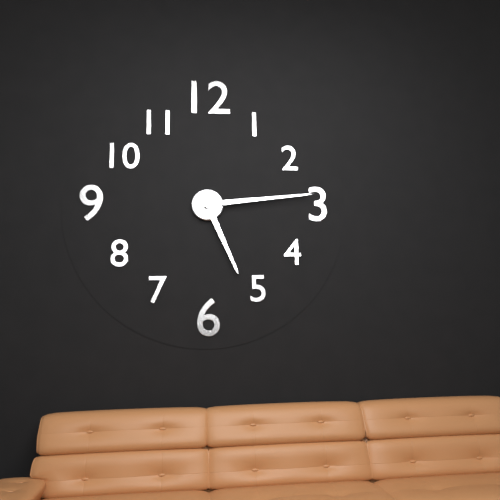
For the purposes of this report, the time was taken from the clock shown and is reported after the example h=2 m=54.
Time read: h=5 m=14
